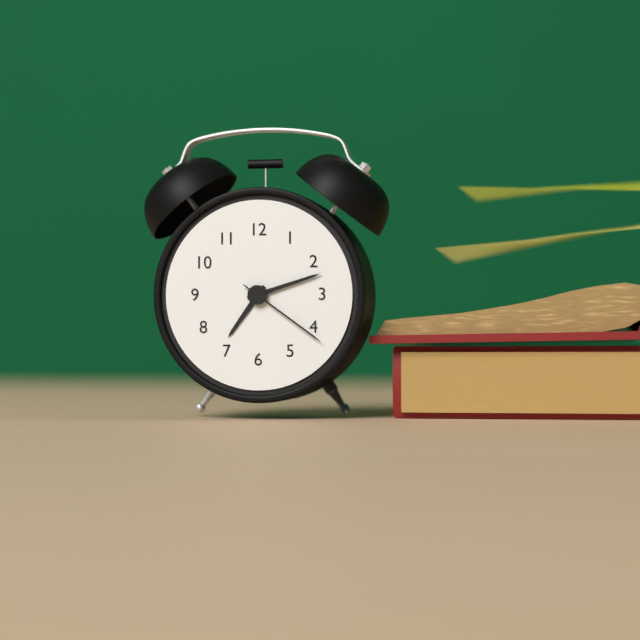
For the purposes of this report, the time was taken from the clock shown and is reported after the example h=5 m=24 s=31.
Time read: h=7 m=12 s=21
